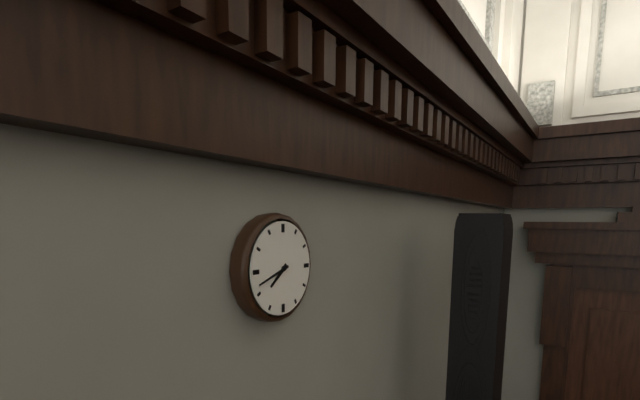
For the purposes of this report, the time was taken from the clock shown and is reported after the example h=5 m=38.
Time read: h=7 m=42
